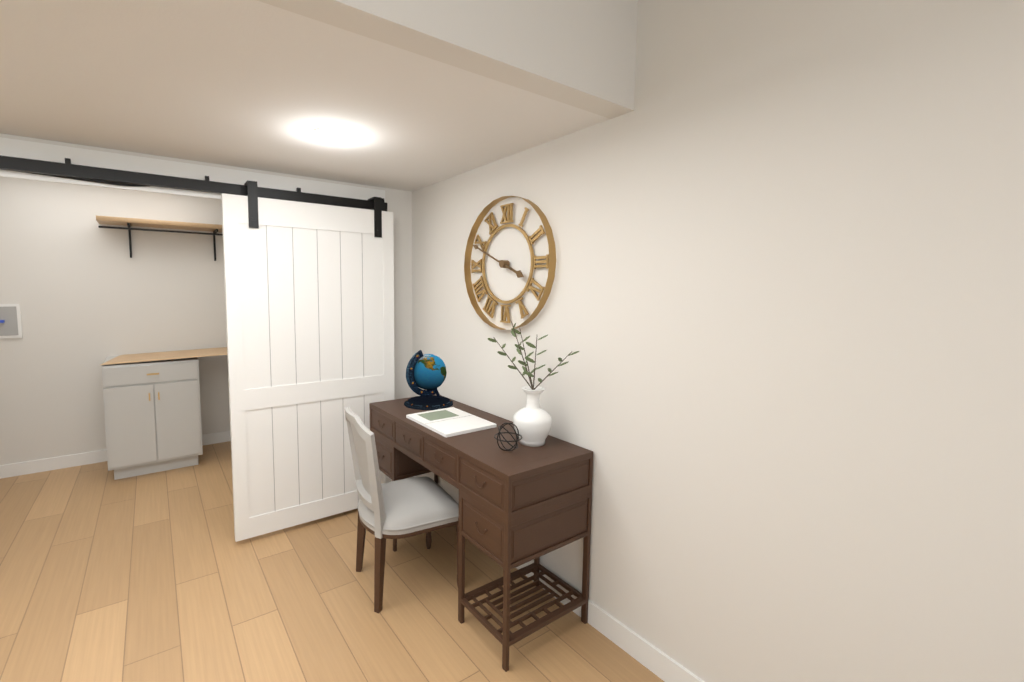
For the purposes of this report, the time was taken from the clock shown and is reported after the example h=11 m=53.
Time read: h=3 m=49
